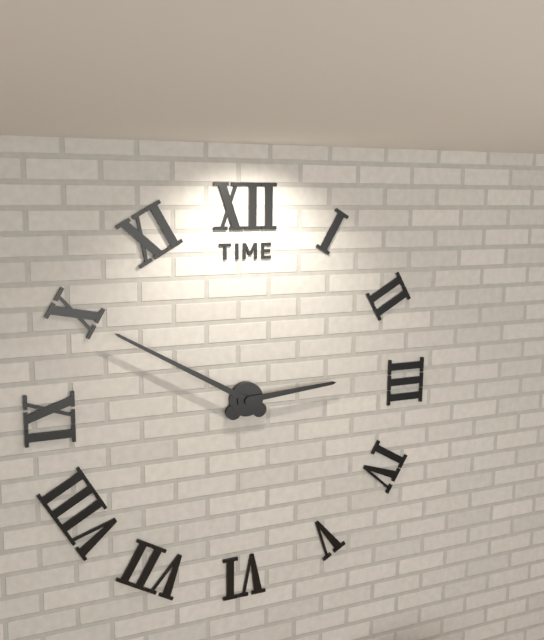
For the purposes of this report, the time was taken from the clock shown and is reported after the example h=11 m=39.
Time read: h=2 m=50
